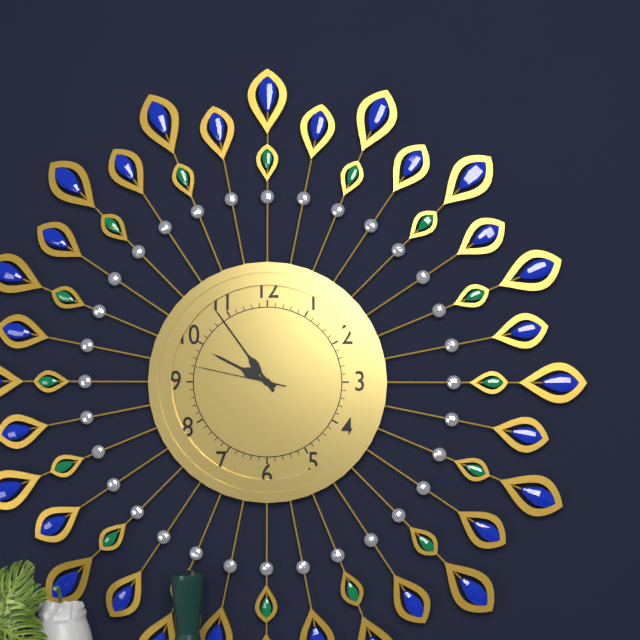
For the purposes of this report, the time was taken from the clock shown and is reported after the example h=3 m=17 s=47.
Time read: h=9 m=54 s=47
